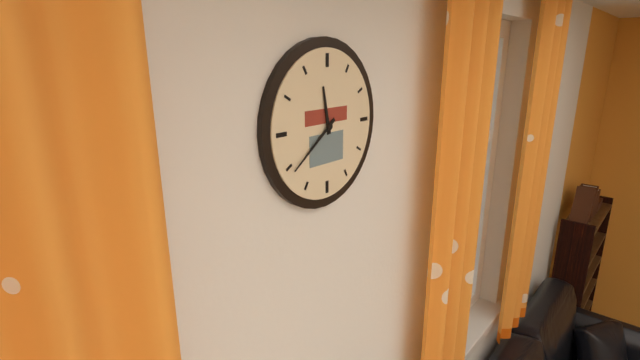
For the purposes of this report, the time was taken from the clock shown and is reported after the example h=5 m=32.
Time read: h=11 m=39
